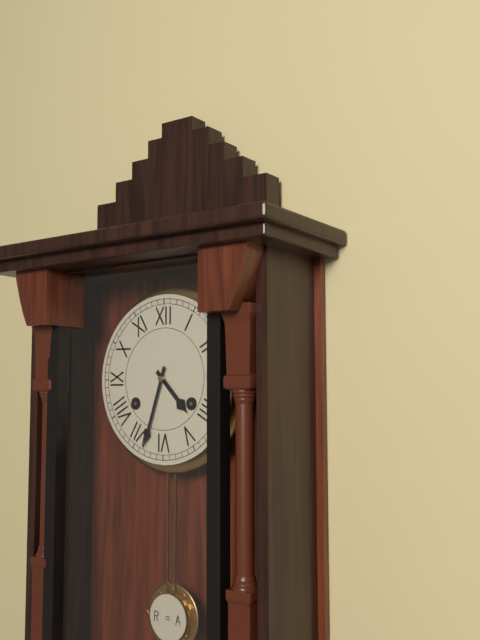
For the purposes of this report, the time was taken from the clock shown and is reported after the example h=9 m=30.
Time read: h=4 m=33
